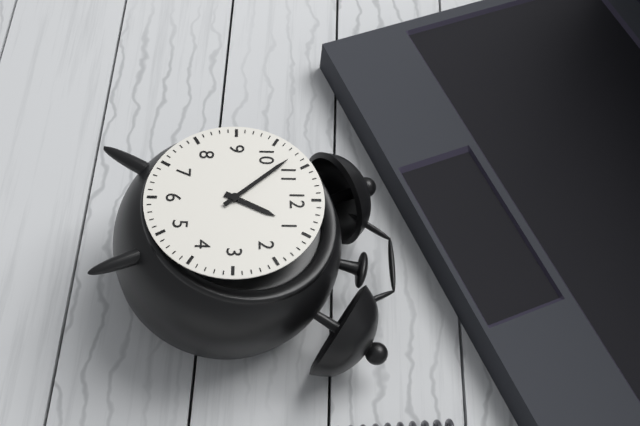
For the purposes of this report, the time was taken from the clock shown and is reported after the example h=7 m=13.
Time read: h=12 m=53
